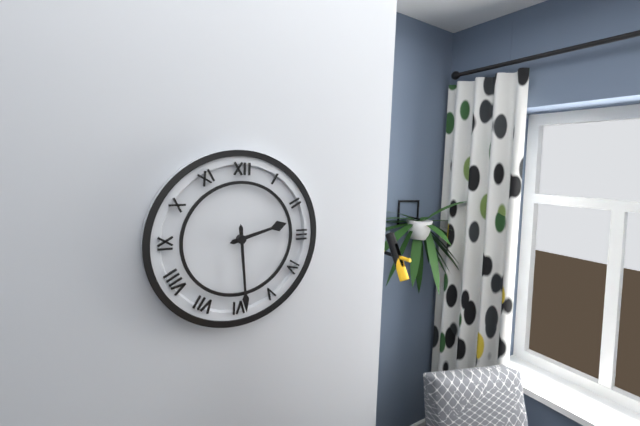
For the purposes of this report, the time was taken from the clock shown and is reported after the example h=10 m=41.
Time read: h=2 m=29
